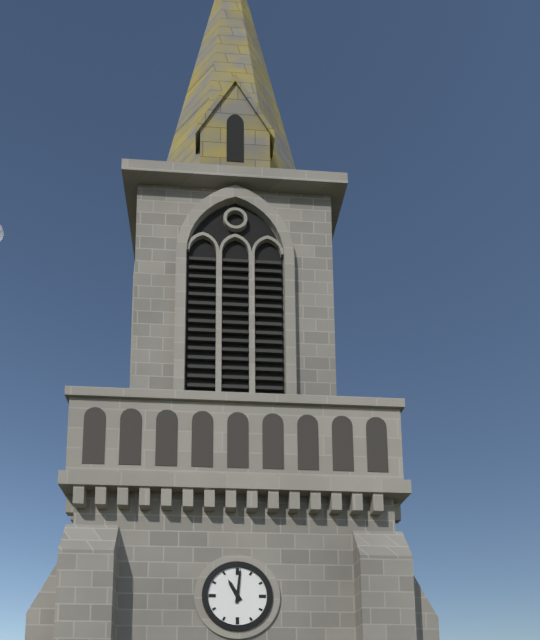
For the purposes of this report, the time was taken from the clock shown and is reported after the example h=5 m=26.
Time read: h=11 m=1
